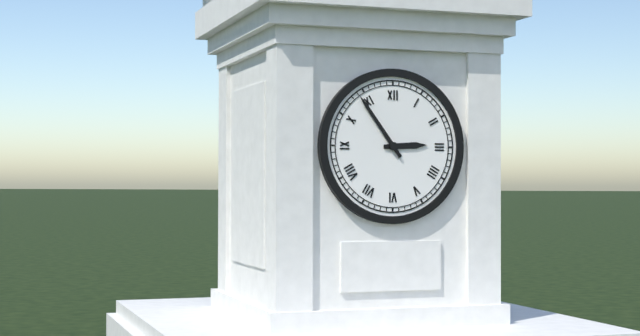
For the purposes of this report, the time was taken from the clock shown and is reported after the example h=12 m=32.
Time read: h=2 m=54
